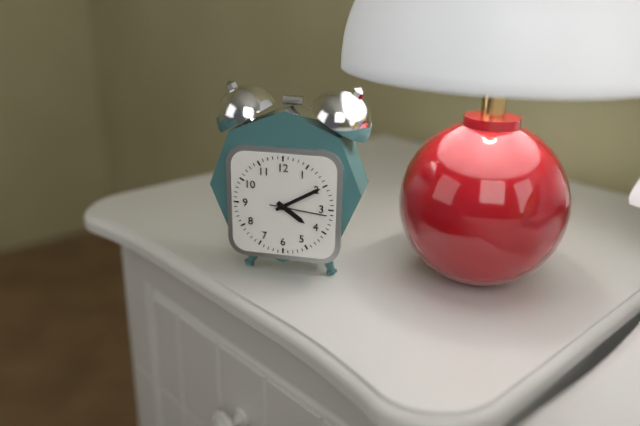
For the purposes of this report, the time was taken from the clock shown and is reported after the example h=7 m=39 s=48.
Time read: h=4 m=10 s=16
